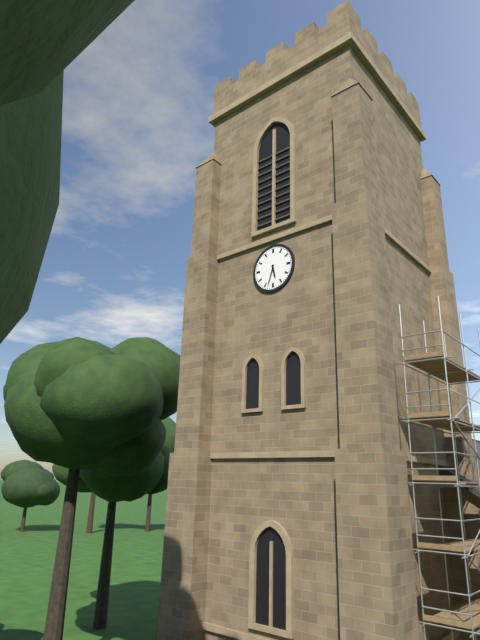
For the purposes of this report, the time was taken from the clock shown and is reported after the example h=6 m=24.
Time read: h=5 m=33
